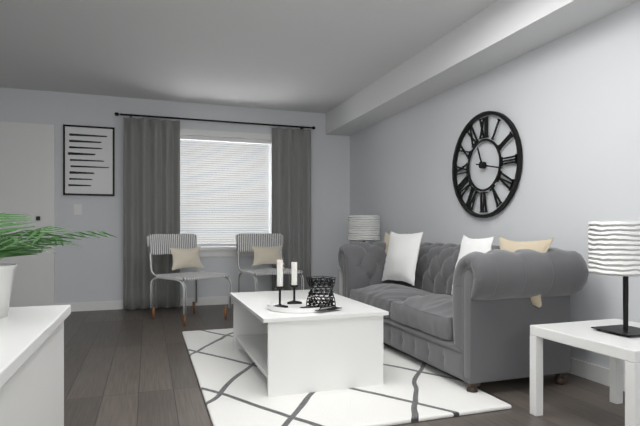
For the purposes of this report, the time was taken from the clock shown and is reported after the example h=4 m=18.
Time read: h=11 m=17
